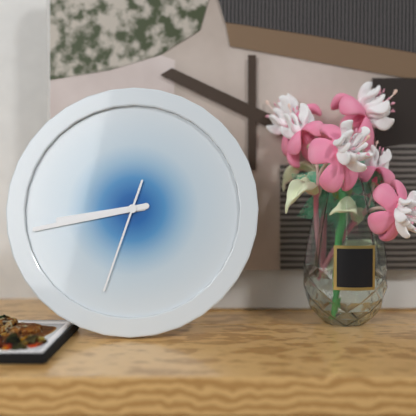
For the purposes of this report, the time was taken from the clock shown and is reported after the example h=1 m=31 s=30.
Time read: h=8 m=43 s=33
